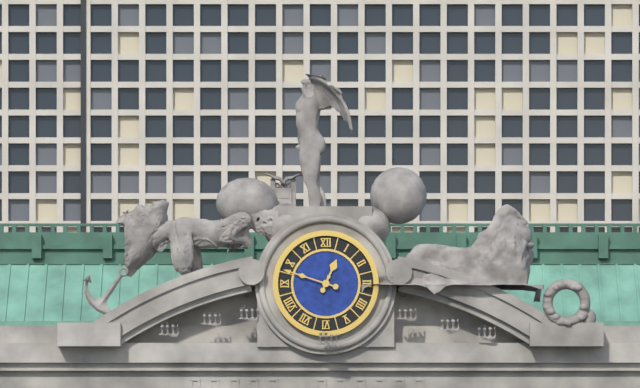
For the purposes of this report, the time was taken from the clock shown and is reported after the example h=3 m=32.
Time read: h=12 m=48
